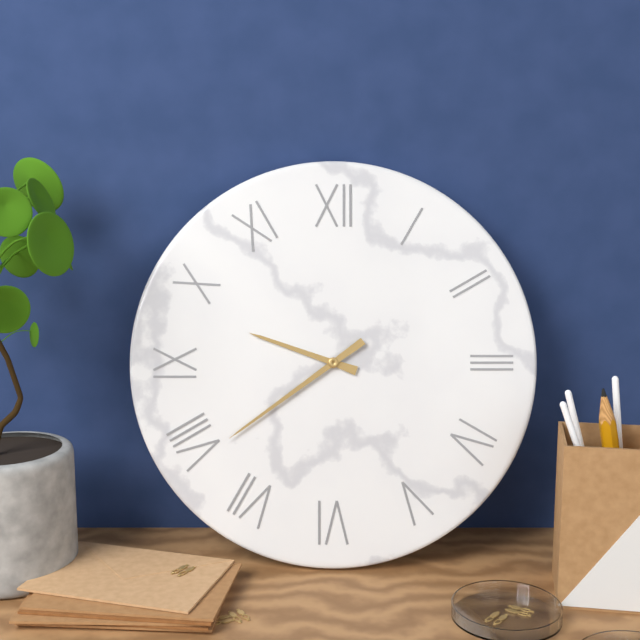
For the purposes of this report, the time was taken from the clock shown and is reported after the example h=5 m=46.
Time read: h=9 m=39
